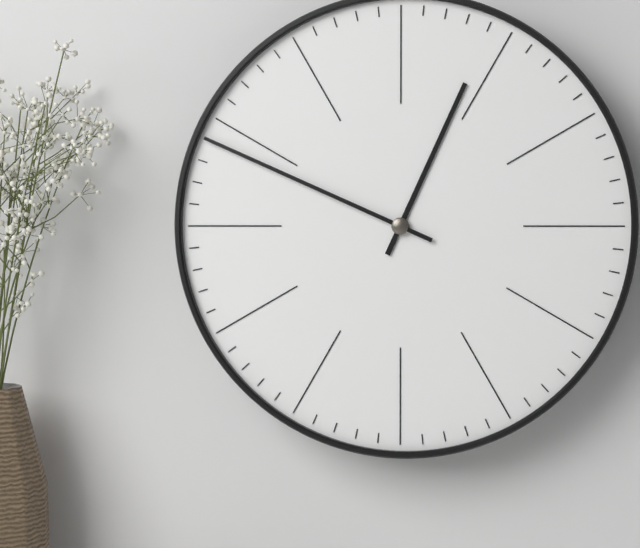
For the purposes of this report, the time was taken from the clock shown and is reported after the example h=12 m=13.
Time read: h=12 m=49
